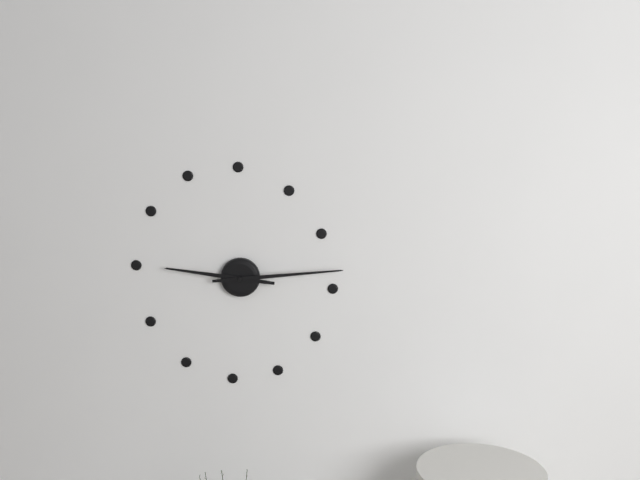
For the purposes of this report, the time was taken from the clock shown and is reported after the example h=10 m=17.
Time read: h=9 m=14
